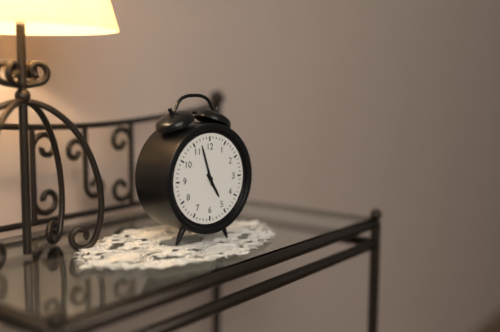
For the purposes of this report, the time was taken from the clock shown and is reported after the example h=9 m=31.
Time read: h=4 m=57
